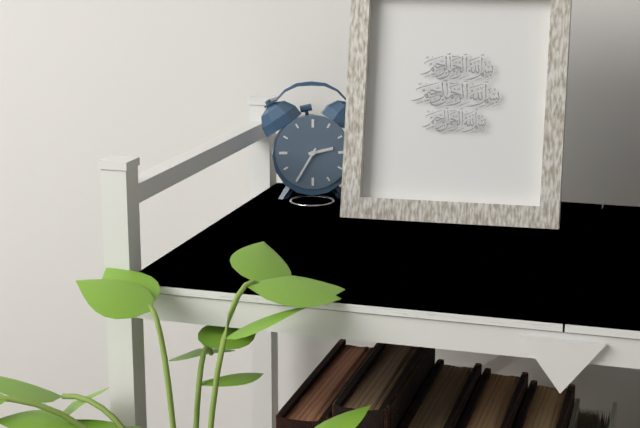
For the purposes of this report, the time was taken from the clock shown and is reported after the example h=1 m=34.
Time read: h=2 m=35
